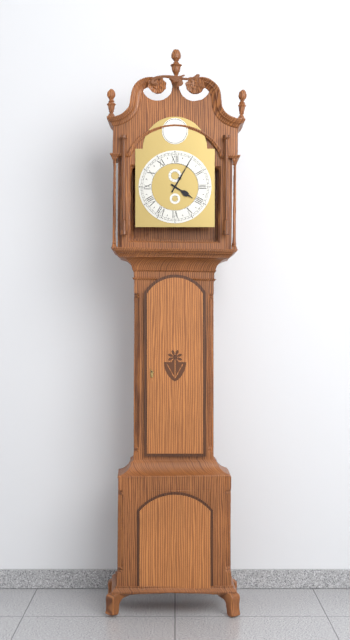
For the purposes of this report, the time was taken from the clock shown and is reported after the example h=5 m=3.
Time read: h=4 m=5
